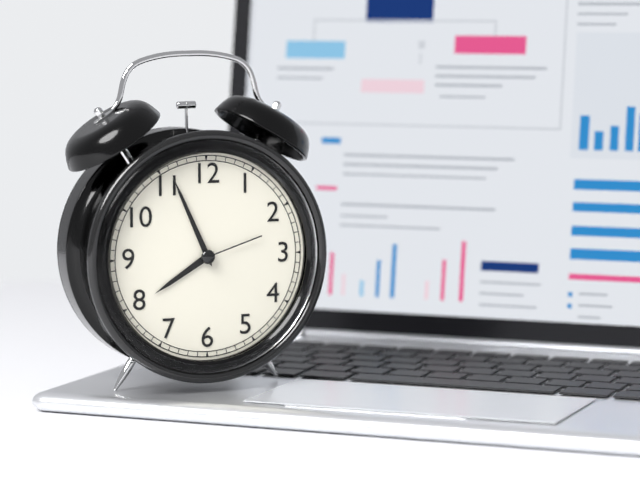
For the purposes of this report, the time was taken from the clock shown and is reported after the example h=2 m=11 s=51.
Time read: h=7 m=56 s=12
